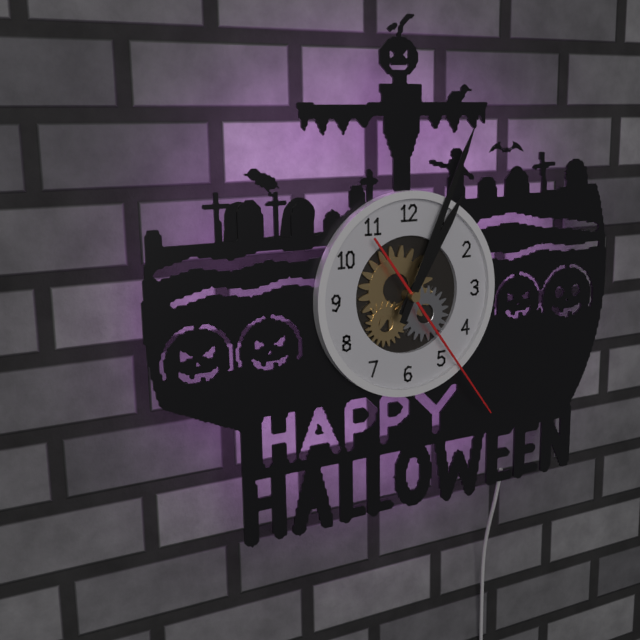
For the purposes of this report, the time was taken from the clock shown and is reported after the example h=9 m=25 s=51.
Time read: h=1 m=4 s=24
